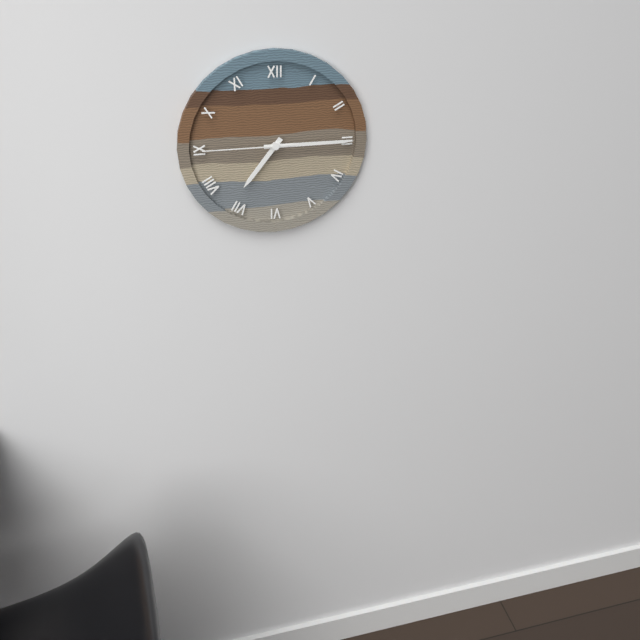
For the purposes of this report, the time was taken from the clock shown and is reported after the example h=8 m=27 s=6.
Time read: h=7 m=15 s=45
